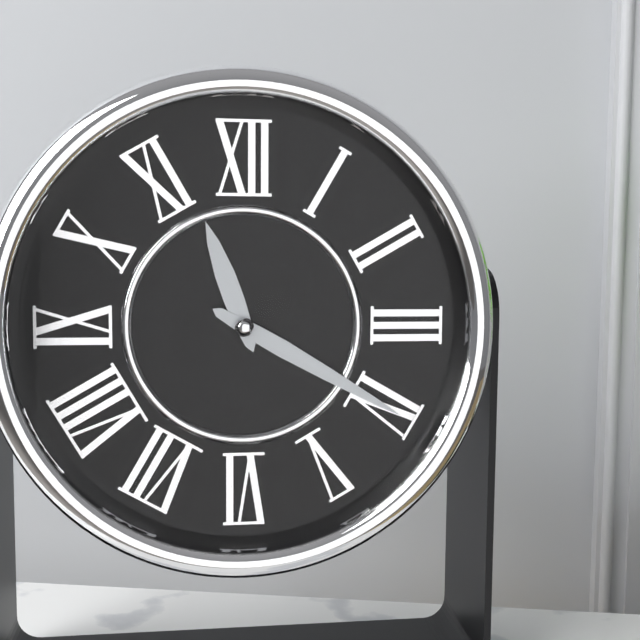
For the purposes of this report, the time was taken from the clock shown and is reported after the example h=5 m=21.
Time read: h=11 m=20
